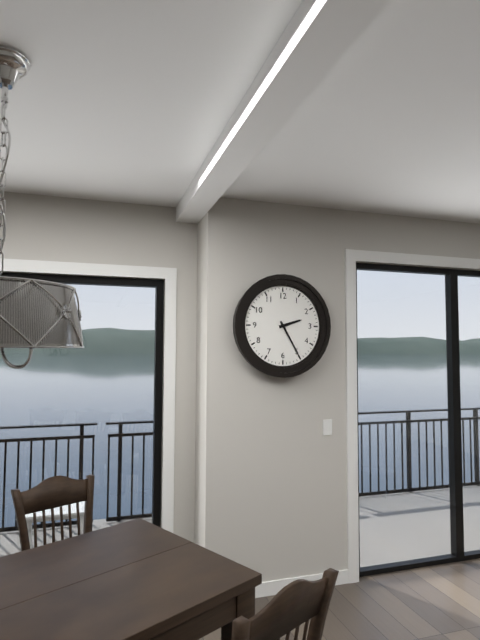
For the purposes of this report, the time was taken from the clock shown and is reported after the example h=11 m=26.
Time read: h=2 m=25
